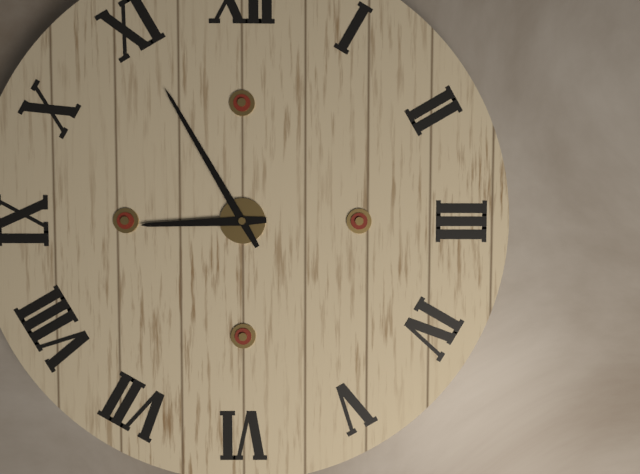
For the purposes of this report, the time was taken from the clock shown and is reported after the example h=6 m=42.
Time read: h=8 m=55
